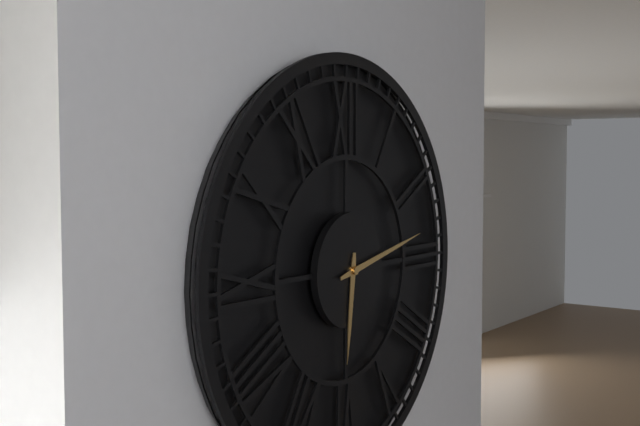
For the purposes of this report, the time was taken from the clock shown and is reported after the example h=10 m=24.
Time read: h=6 m=13
